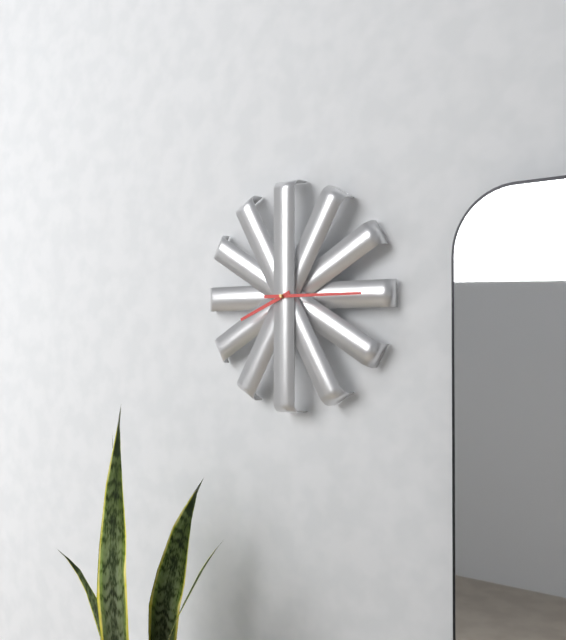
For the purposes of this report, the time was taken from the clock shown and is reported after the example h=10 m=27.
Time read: h=8 m=15
